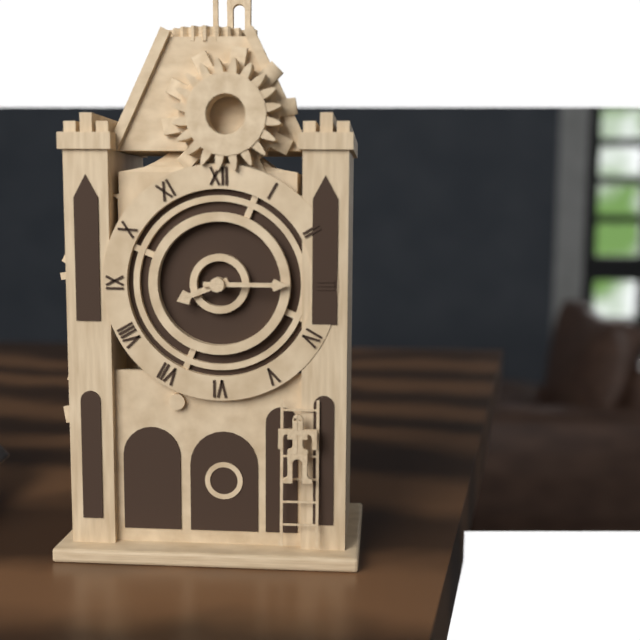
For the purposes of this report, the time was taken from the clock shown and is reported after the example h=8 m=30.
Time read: h=8 m=15
